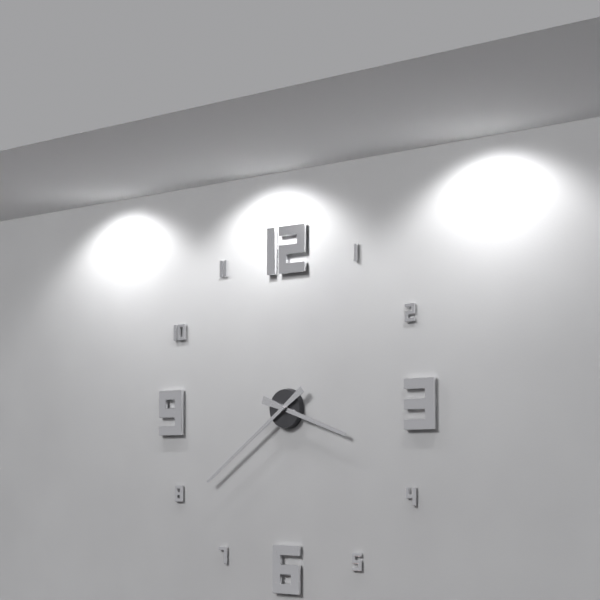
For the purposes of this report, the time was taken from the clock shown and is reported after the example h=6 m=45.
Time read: h=3 m=39
